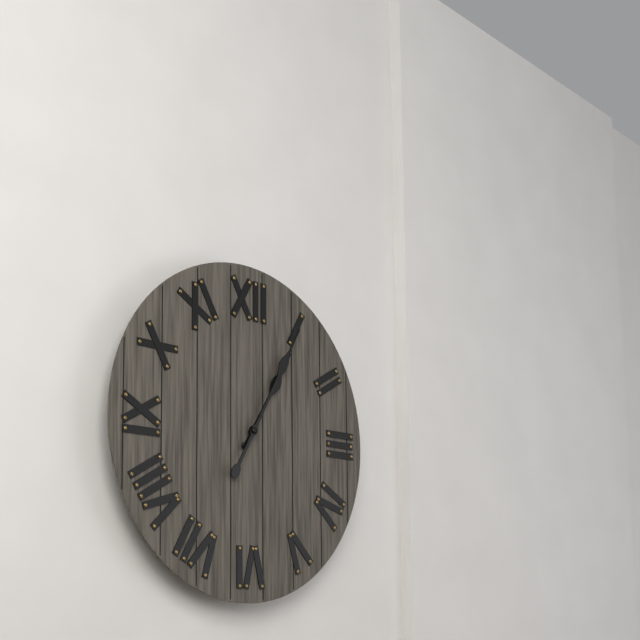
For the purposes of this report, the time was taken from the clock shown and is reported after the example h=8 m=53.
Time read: h=1 m=5
